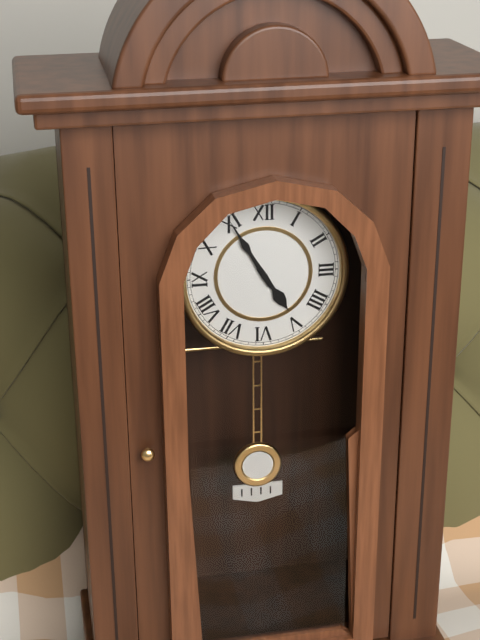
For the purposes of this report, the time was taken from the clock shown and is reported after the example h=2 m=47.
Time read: h=4 m=55
